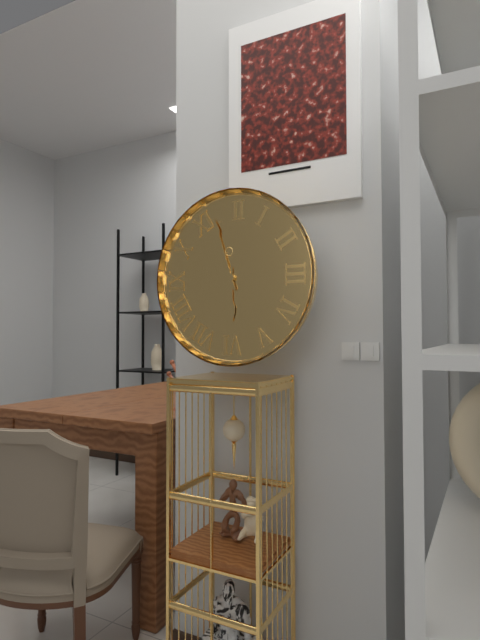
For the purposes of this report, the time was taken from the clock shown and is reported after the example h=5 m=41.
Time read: h=5 m=57
